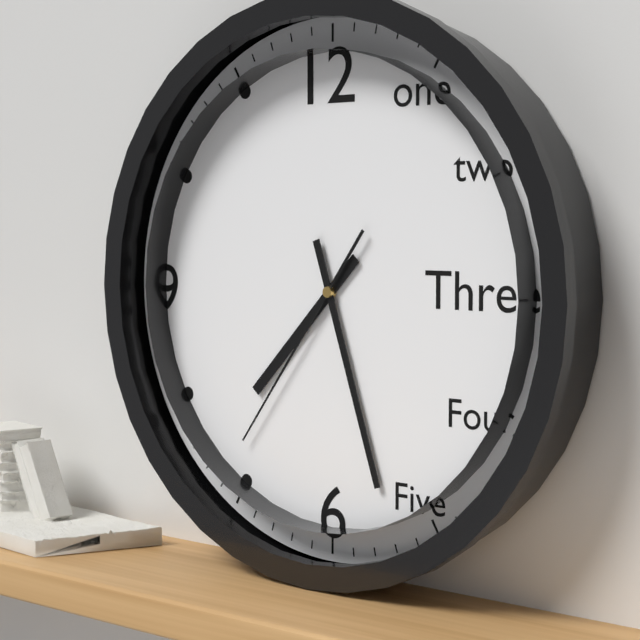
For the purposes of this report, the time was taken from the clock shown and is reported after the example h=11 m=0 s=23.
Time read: h=7 m=27 s=36
